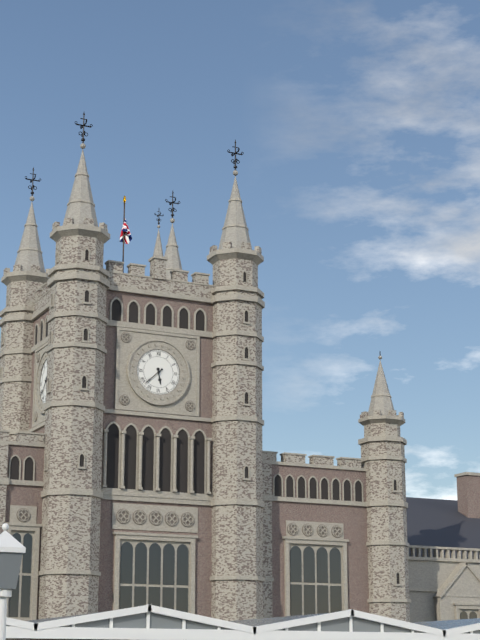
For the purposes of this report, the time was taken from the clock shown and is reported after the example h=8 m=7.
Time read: h=5 m=38
